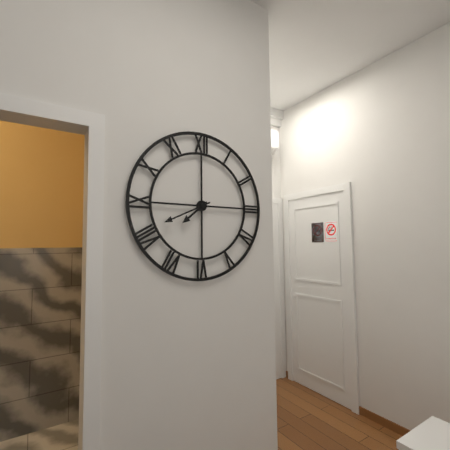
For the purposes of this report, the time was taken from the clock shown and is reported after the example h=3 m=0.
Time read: h=7 m=41
